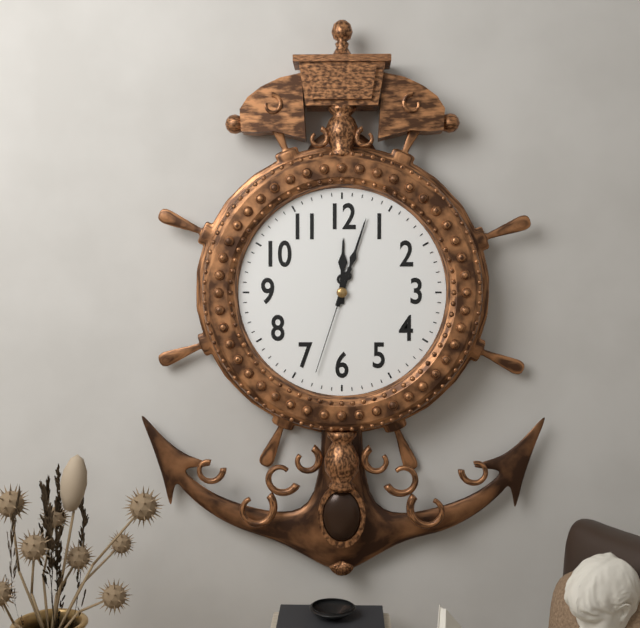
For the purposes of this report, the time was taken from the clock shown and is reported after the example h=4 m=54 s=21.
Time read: h=12 m=3 s=33
